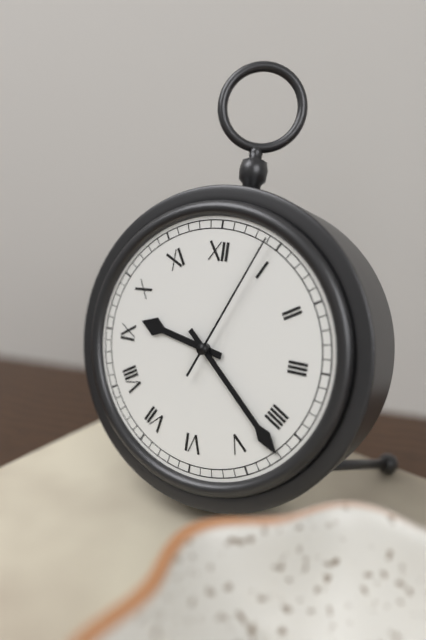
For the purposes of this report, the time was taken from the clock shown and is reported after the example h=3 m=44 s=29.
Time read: h=9 m=22 s=4
